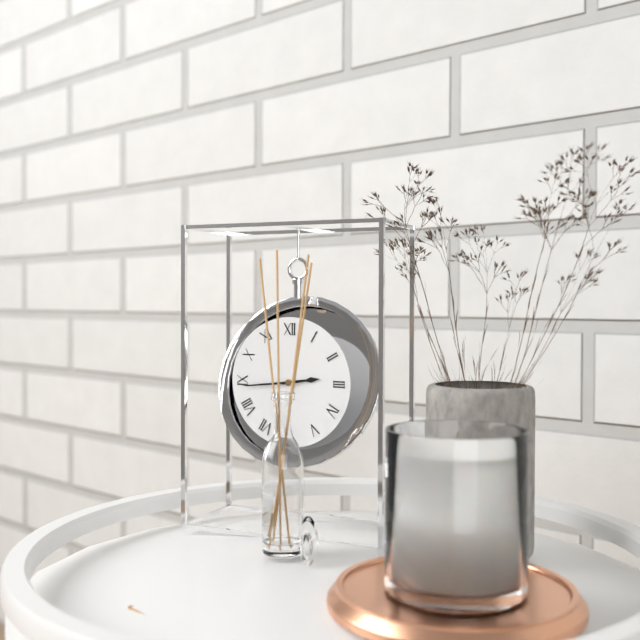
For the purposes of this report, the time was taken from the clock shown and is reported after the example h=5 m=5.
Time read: h=2 m=44
